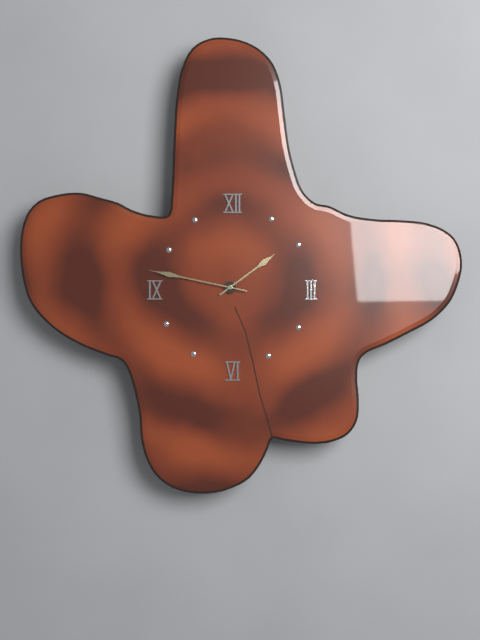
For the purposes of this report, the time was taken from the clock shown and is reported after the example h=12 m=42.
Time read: h=1 m=47
